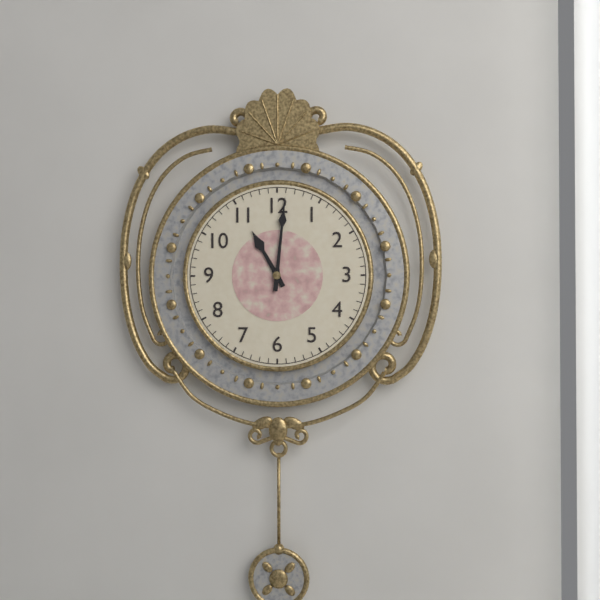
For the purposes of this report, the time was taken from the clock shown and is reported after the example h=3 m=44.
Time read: h=11 m=1
